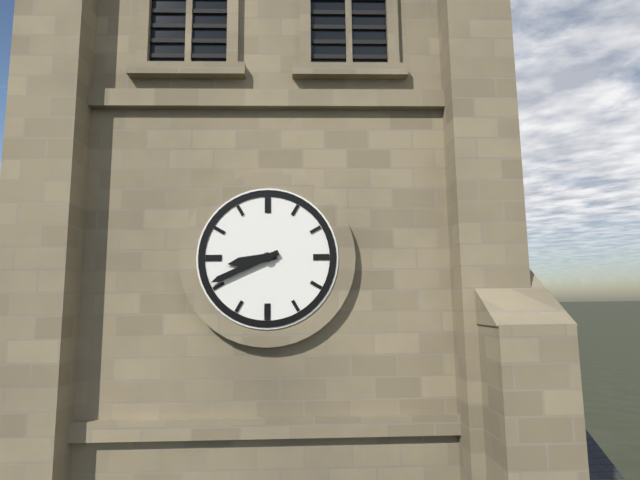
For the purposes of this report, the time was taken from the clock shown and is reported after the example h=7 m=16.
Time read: h=8 m=41
